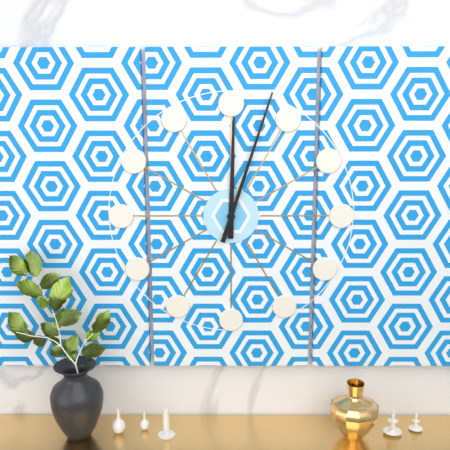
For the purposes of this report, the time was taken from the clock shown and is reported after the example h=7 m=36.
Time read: h=12 m=3
